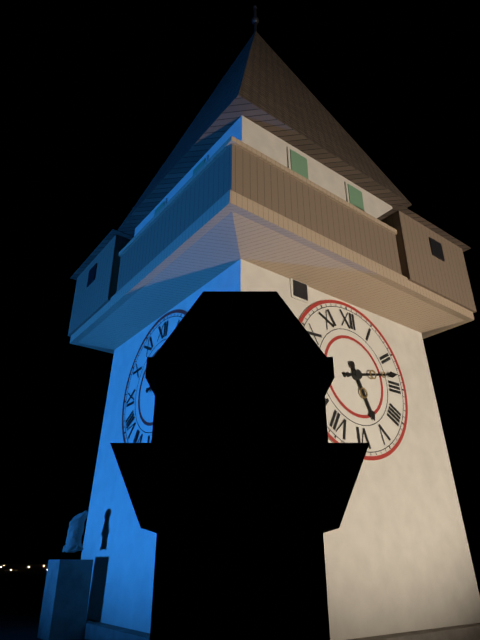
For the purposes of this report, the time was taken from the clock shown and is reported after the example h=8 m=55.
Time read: h=5 m=13
